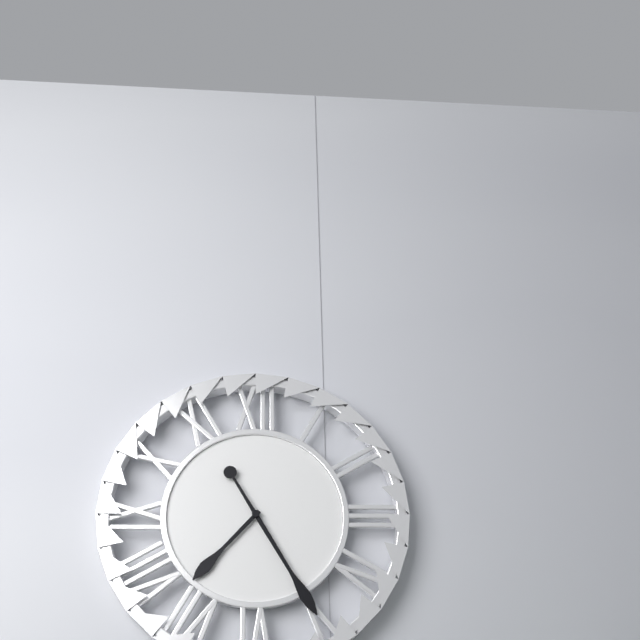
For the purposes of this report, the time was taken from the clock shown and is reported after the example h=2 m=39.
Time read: h=7 m=25
